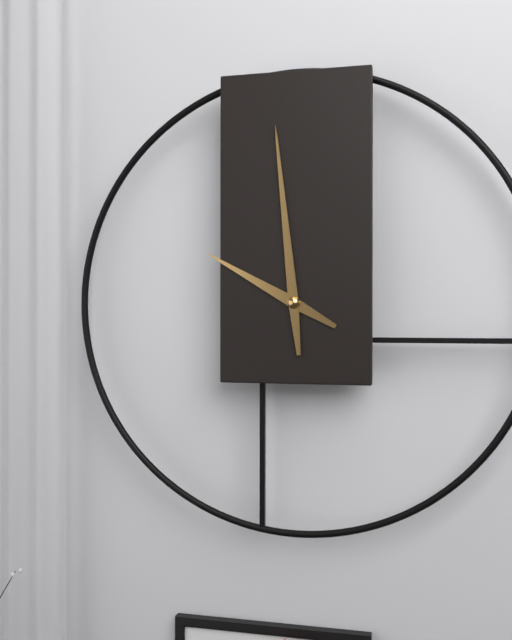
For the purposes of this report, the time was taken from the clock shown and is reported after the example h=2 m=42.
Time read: h=9 m=59
